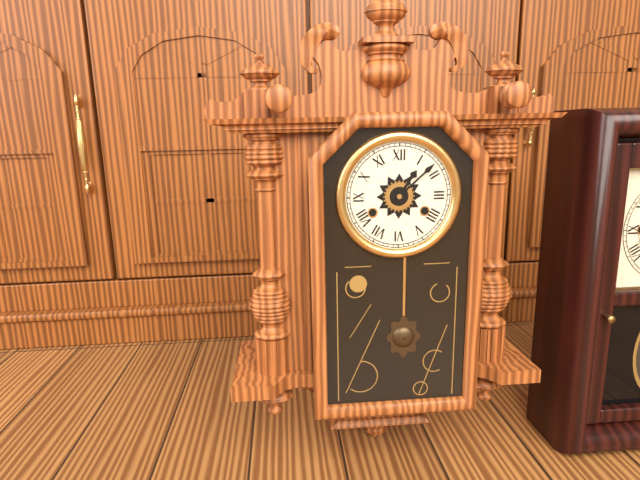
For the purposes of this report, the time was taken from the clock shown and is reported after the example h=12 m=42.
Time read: h=1 m=8
